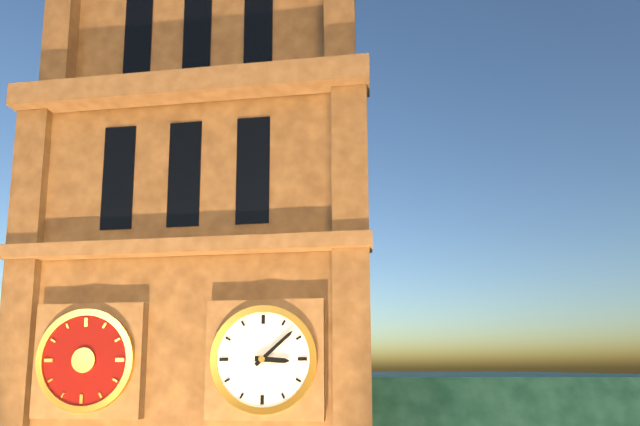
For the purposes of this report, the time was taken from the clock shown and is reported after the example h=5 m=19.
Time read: h=3 m=8
